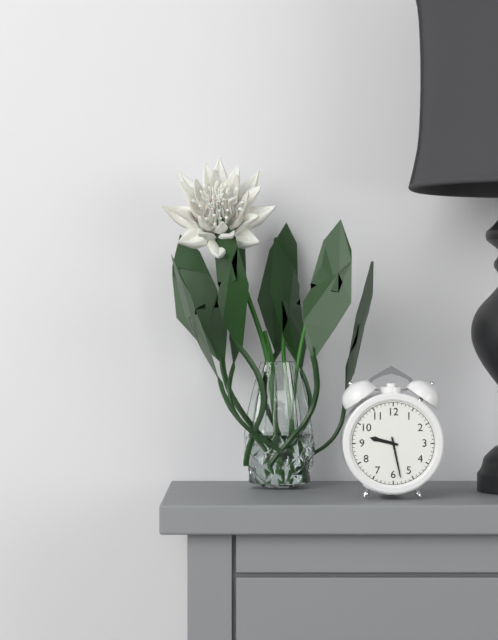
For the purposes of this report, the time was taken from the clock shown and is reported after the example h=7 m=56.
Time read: h=9 m=28
